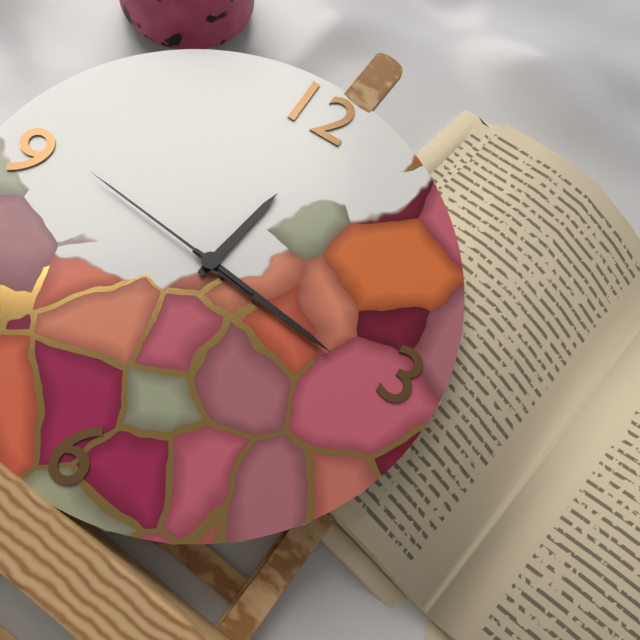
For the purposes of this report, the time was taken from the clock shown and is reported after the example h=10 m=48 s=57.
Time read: h=12 m=16 s=46
